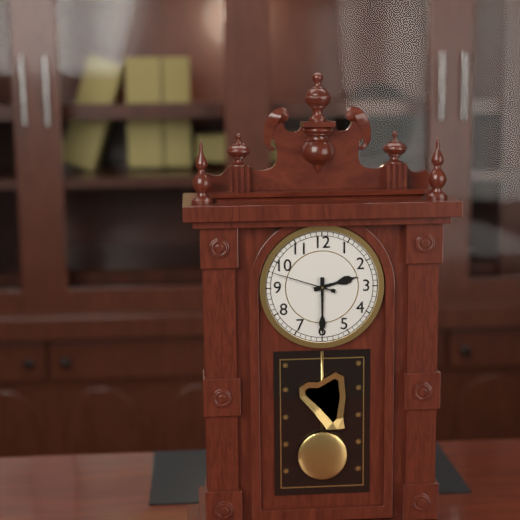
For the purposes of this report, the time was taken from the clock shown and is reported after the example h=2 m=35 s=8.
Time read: h=2 m=30 s=48
